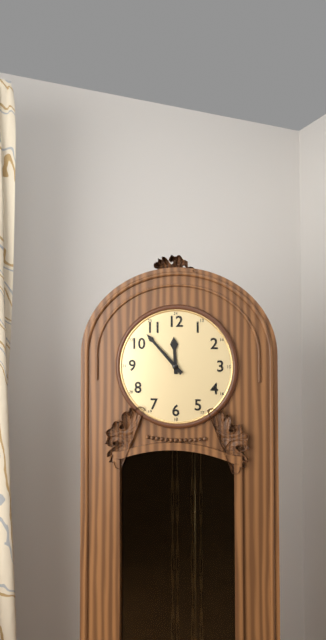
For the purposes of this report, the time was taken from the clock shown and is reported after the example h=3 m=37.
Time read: h=11 m=53
